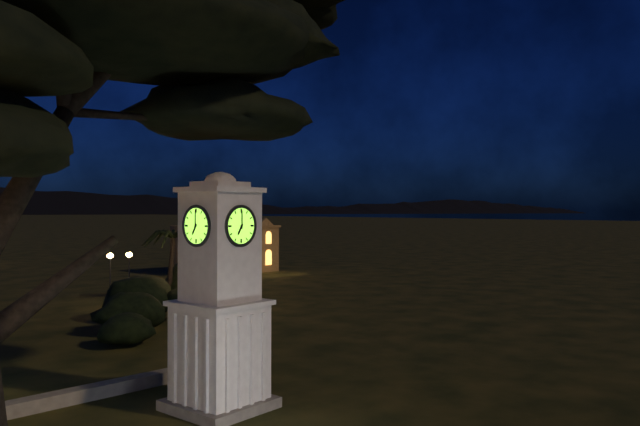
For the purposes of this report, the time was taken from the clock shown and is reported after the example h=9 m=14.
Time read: h=7 m=0
